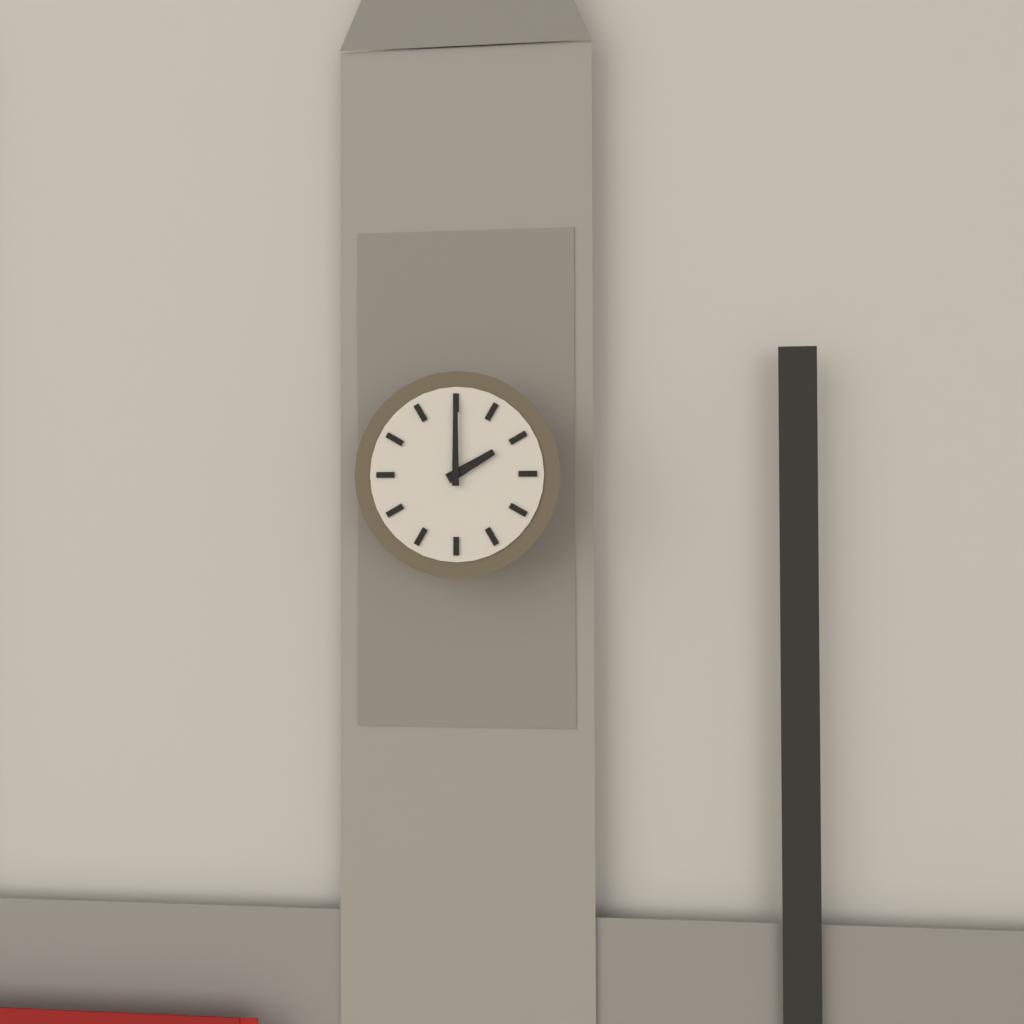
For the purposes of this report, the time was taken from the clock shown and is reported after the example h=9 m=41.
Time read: h=2 m=0
